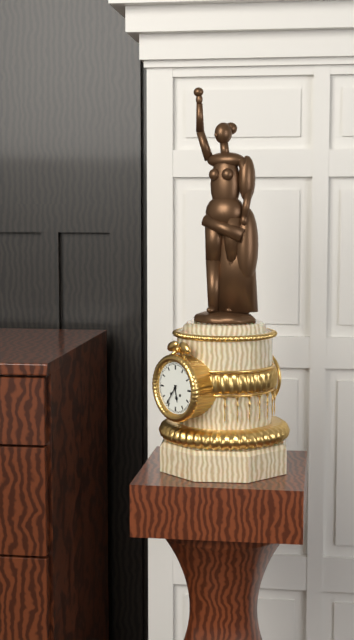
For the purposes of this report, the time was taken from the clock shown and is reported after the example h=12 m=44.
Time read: h=5 m=36
